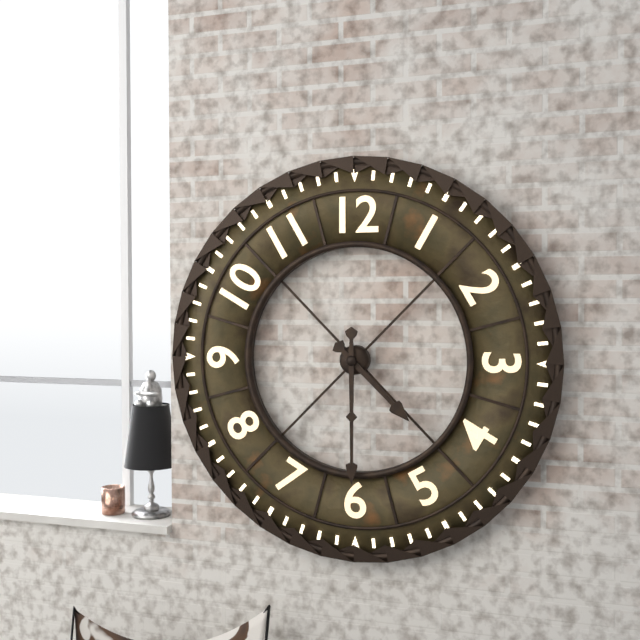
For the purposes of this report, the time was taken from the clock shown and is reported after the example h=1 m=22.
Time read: h=4 m=30
